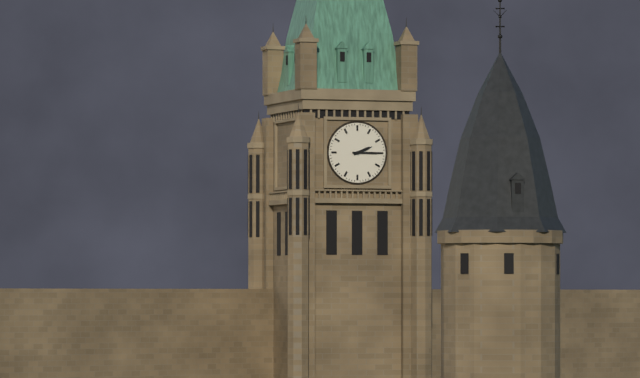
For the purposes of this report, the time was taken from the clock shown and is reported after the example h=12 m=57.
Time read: h=2 m=15
